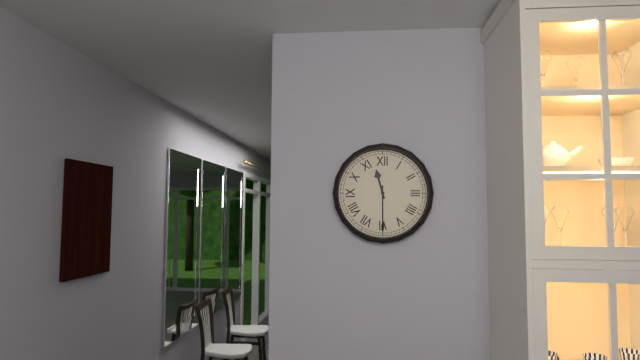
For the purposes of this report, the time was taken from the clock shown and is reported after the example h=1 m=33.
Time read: h=11 m=30
